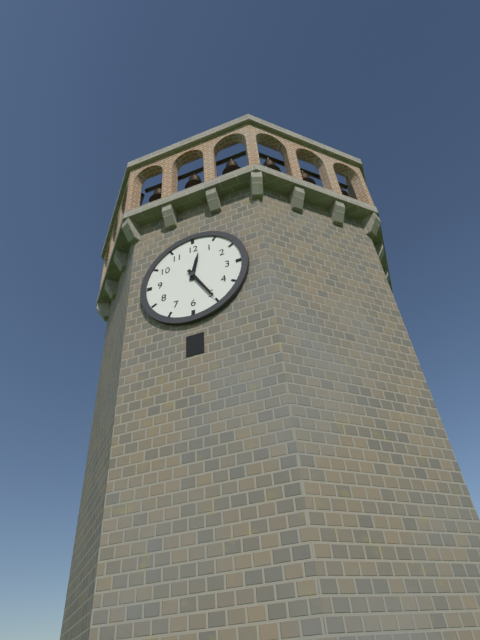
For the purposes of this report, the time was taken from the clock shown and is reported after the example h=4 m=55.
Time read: h=12 m=25
